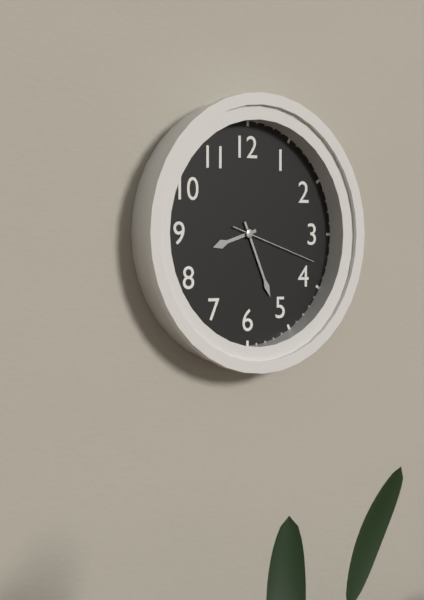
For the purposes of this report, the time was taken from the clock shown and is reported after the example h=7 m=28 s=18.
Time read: h=8 m=26 s=18
